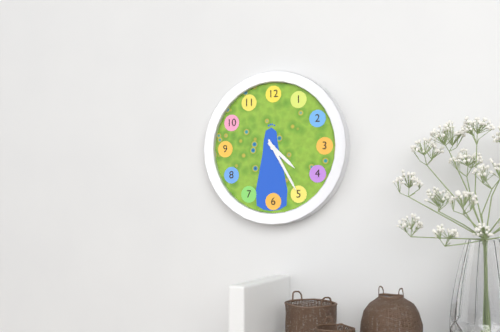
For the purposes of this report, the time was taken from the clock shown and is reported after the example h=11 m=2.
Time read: h=4 m=25
